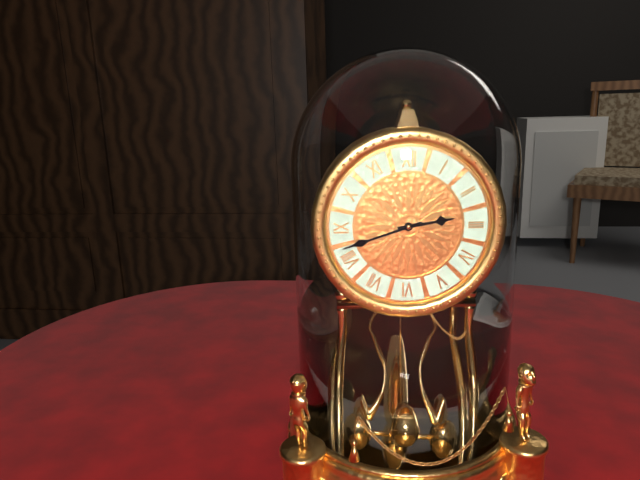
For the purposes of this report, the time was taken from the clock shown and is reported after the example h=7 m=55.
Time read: h=2 m=42
